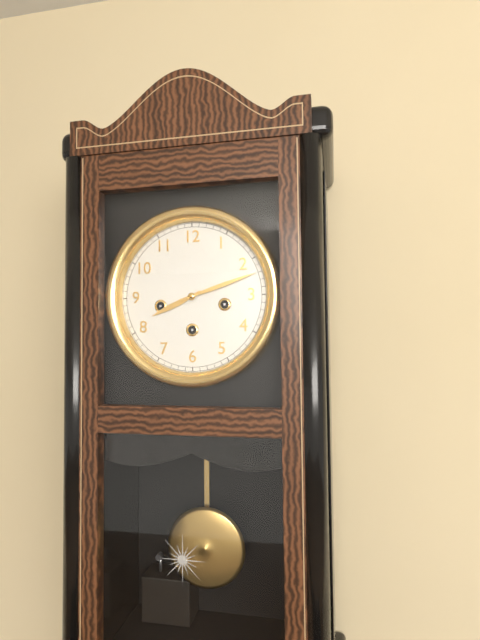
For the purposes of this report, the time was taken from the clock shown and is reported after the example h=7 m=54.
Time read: h=8 m=12
